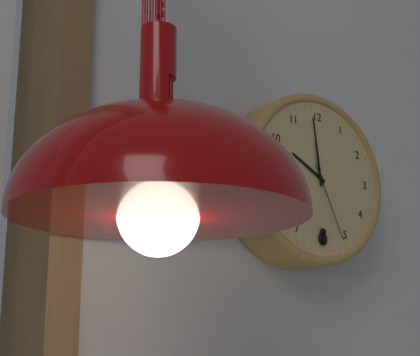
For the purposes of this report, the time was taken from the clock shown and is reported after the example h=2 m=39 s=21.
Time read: h=9 m=59 s=26
